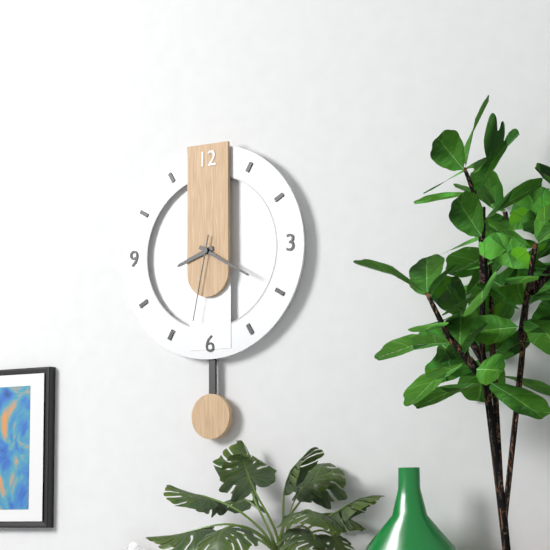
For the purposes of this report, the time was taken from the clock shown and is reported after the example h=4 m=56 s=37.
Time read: h=8 m=20 s=32
